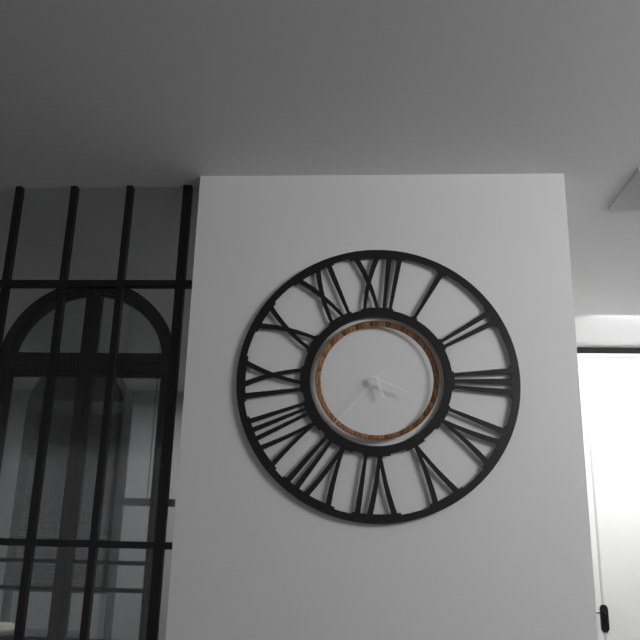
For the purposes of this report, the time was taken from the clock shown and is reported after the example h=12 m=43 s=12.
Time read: h=5 m=19 s=37
